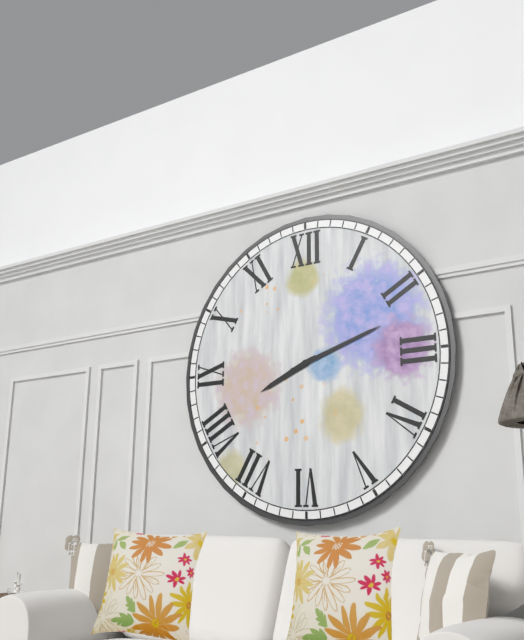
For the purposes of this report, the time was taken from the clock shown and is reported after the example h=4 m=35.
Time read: h=8 m=12
